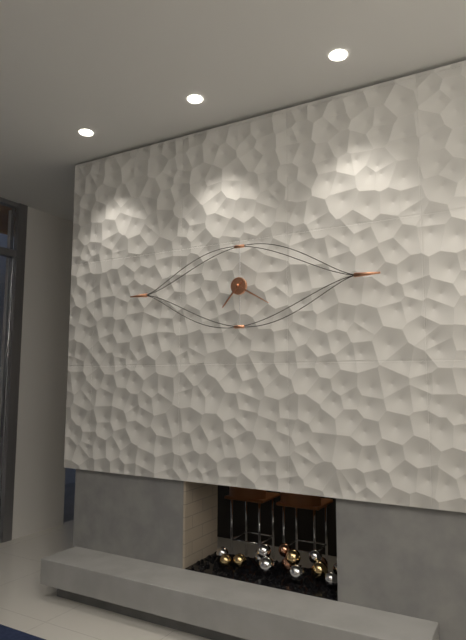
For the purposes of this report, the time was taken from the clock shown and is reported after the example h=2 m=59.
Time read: h=7 m=20
